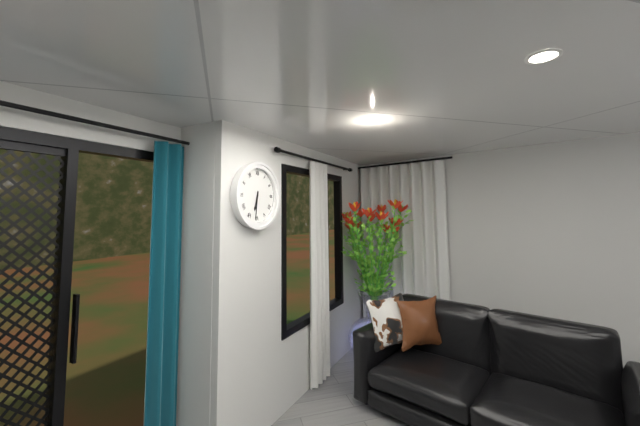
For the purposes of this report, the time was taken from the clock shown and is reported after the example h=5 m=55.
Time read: h=6 m=31
